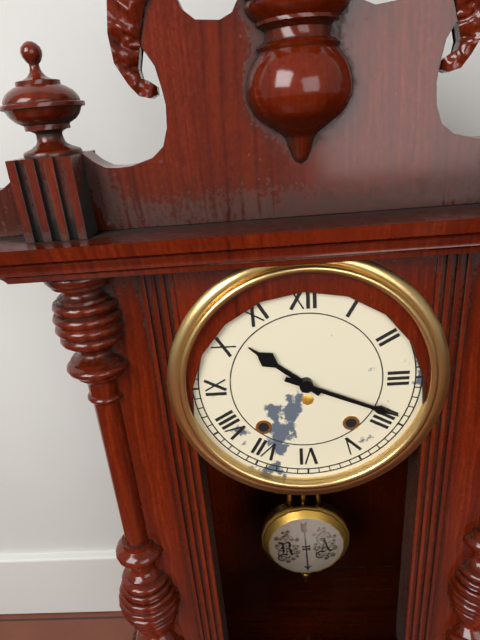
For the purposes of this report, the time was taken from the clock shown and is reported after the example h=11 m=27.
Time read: h=10 m=19
